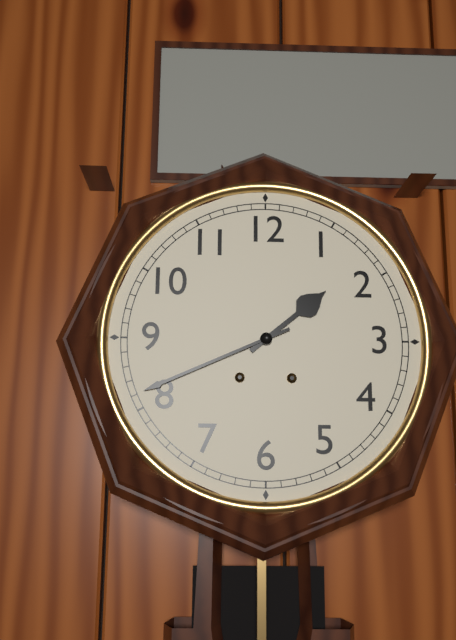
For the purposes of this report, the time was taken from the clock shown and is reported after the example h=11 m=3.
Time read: h=1 m=41
